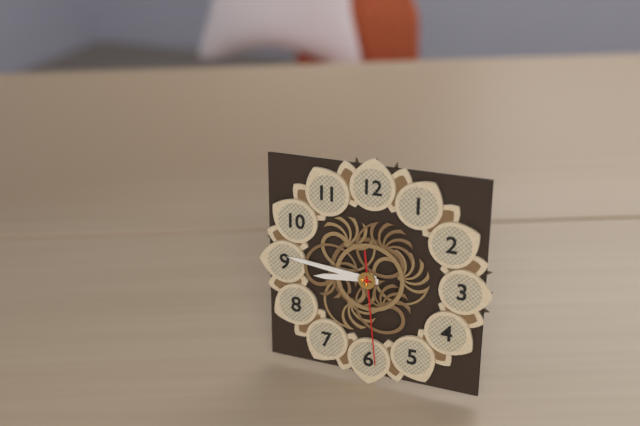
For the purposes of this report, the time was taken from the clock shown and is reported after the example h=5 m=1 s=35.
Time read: h=8 m=46 s=29
